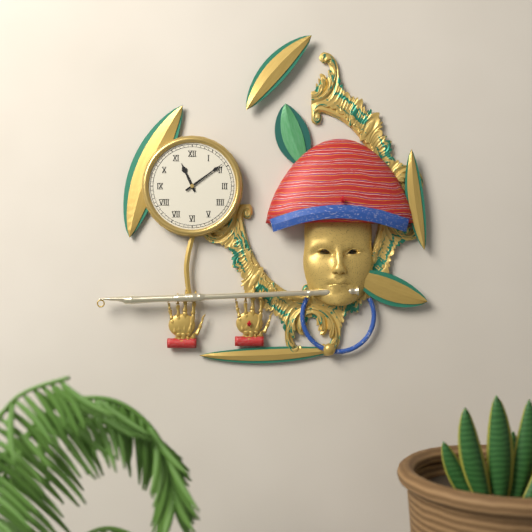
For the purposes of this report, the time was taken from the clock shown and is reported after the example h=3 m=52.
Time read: h=11 m=9
